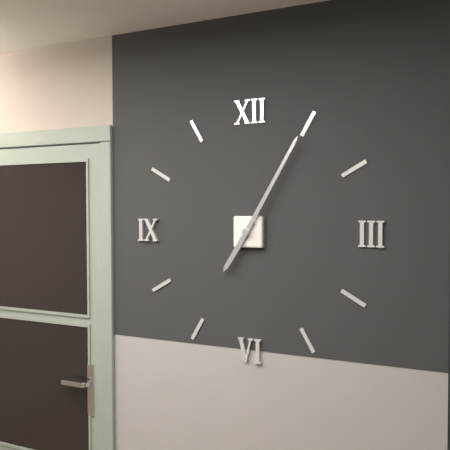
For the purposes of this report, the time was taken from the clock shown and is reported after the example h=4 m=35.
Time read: h=7 m=5
